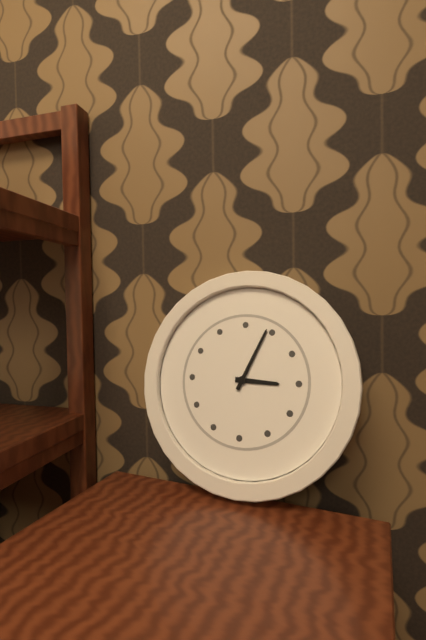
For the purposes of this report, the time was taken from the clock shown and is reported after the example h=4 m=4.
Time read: h=3 m=4
